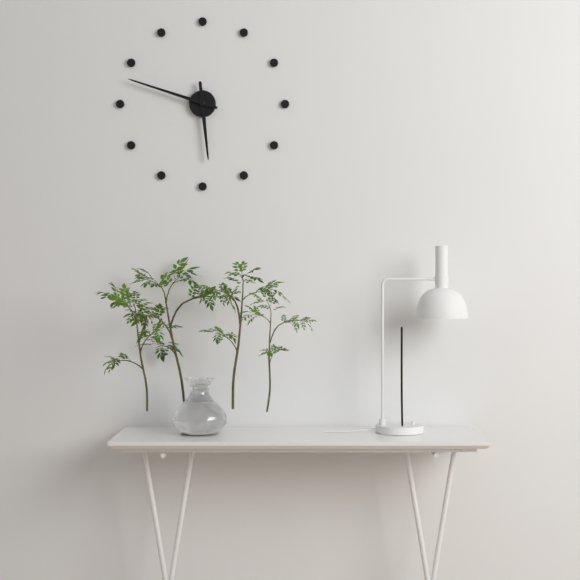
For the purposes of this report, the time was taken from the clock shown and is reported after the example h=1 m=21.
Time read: h=5 m=48
